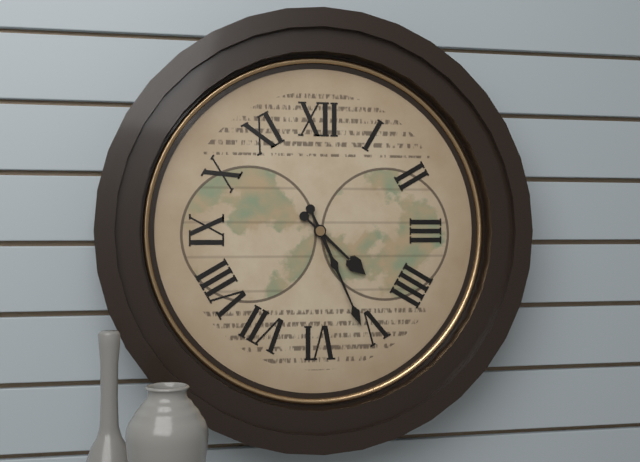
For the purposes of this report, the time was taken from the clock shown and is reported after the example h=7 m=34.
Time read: h=4 m=26
